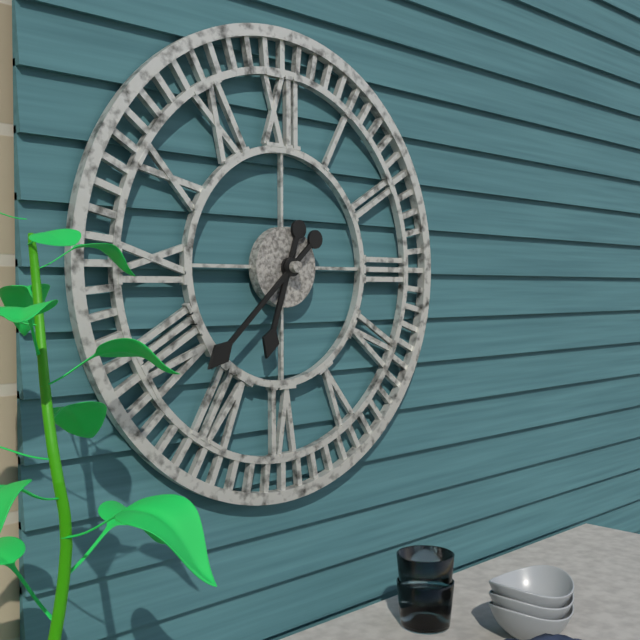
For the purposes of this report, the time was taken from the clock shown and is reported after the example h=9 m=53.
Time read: h=6 m=38
